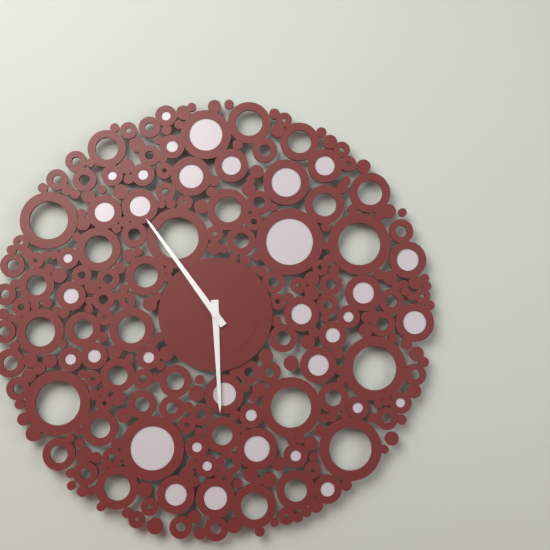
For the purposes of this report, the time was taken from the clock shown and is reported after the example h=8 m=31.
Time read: h=5 m=54
